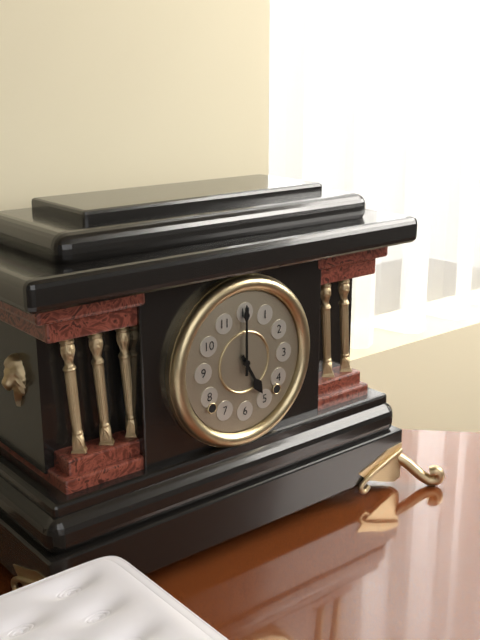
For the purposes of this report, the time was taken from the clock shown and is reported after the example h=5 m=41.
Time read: h=5 m=0
